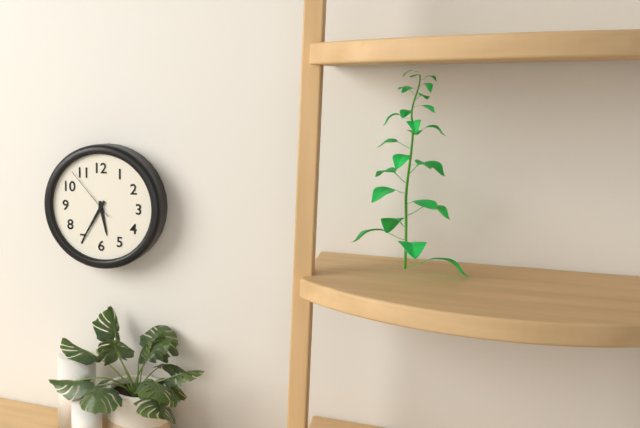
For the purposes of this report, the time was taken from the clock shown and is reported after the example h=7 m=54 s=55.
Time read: h=5 m=35 s=53
